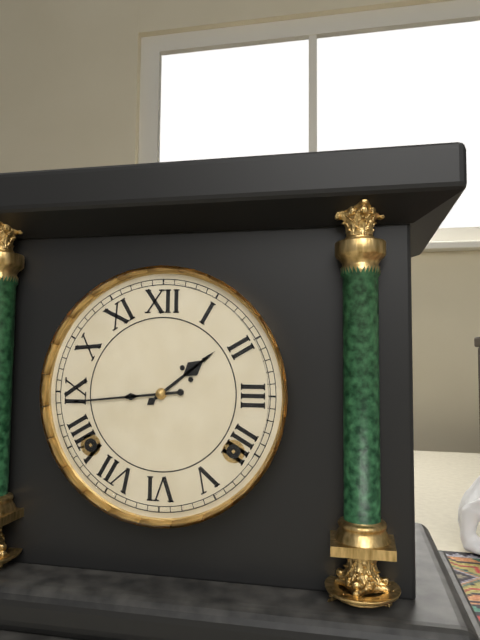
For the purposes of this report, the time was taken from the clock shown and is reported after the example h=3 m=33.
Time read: h=1 m=44
